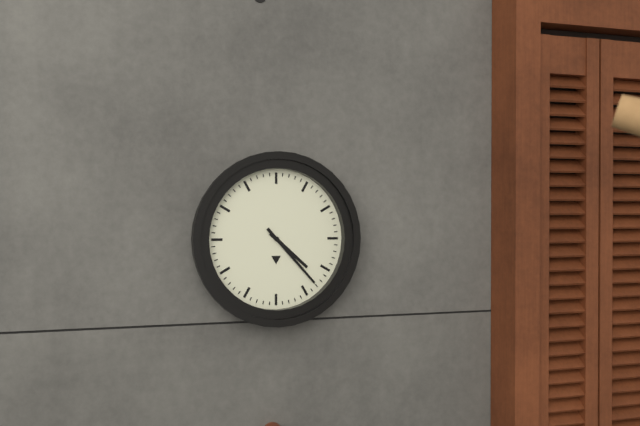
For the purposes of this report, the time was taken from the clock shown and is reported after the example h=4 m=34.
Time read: h=4 m=23
